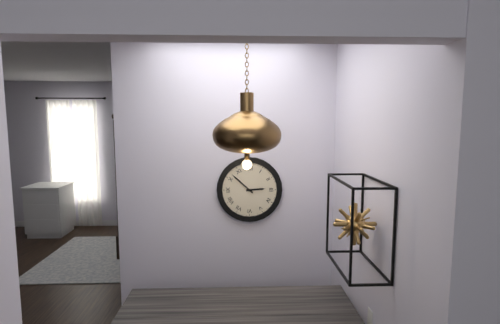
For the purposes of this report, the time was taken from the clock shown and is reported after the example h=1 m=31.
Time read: h=2 m=52
